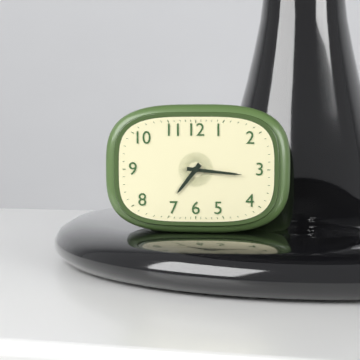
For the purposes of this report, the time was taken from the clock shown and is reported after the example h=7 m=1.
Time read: h=7 m=16
